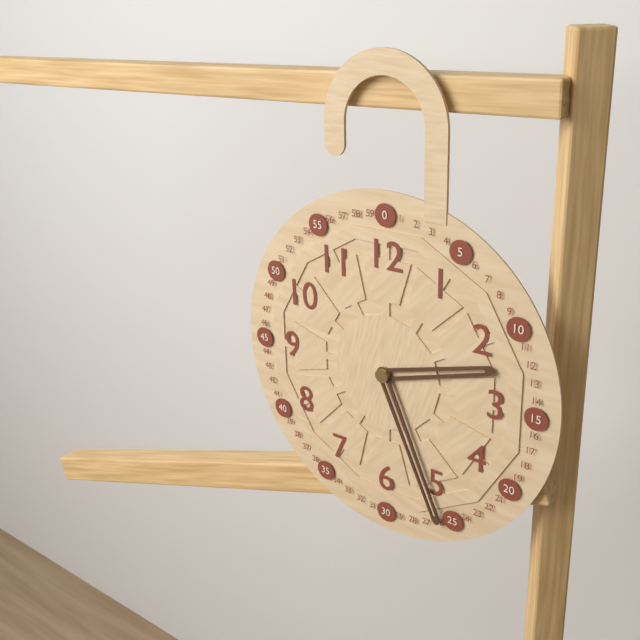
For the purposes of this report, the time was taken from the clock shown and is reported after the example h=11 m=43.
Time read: h=2 m=26
